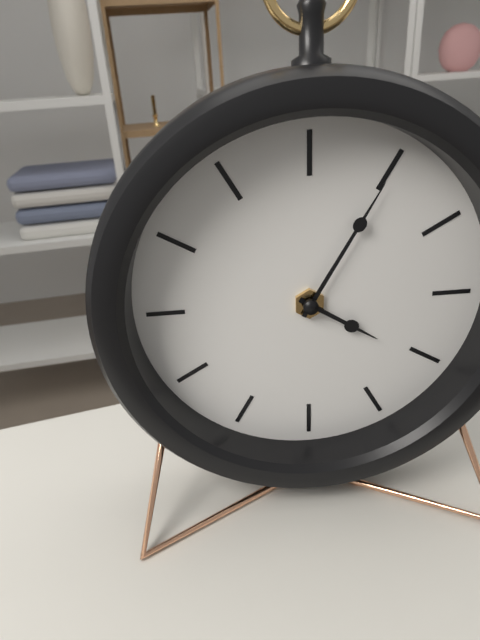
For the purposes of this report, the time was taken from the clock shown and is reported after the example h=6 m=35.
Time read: h=4 m=5
